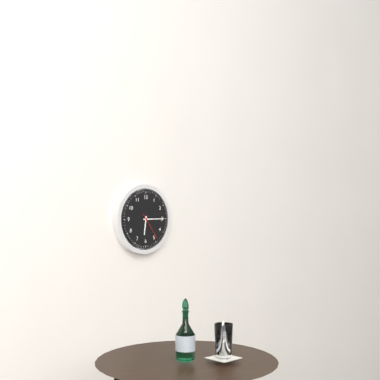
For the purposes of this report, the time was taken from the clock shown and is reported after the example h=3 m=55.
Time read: h=6 m=15
